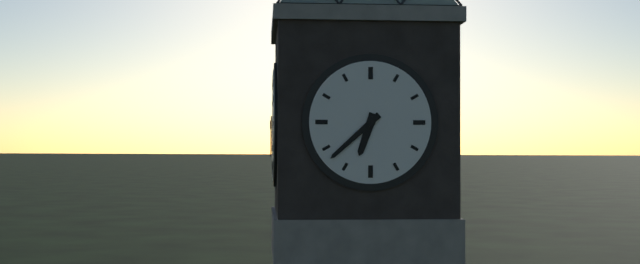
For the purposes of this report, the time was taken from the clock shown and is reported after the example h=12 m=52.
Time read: h=6 m=38
